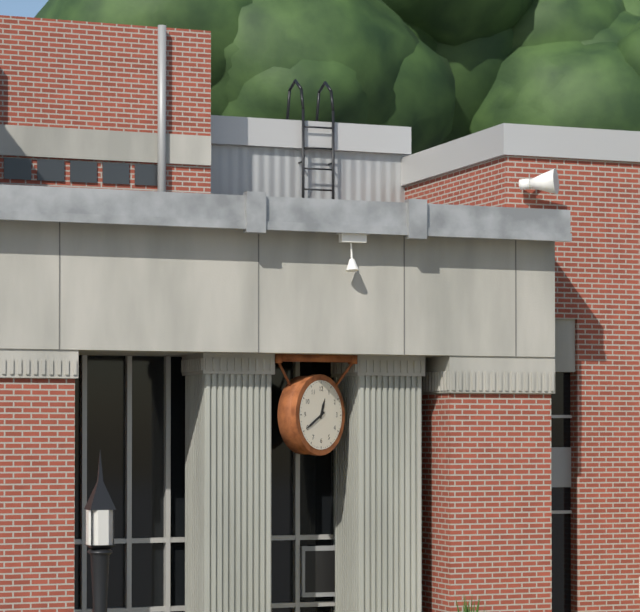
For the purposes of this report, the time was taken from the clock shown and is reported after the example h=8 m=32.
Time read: h=12 m=40
